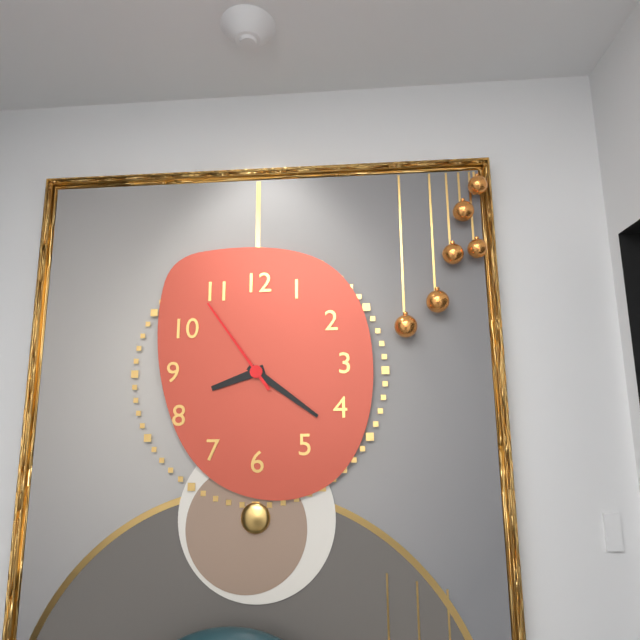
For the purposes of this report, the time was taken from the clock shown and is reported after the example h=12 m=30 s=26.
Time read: h=8 m=21 s=54
